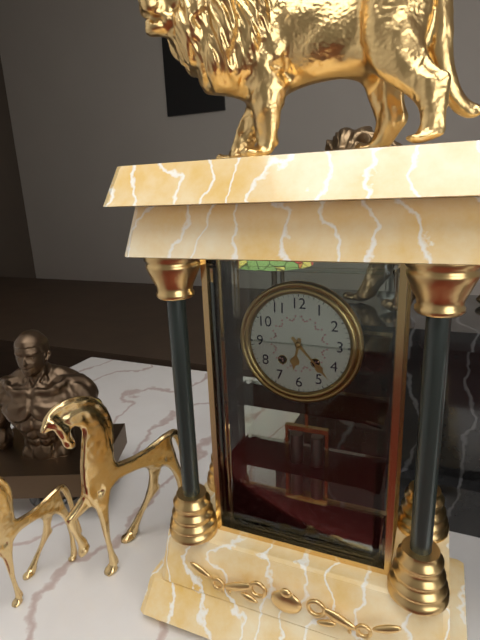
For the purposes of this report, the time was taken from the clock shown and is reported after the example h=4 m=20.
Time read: h=6 m=23
